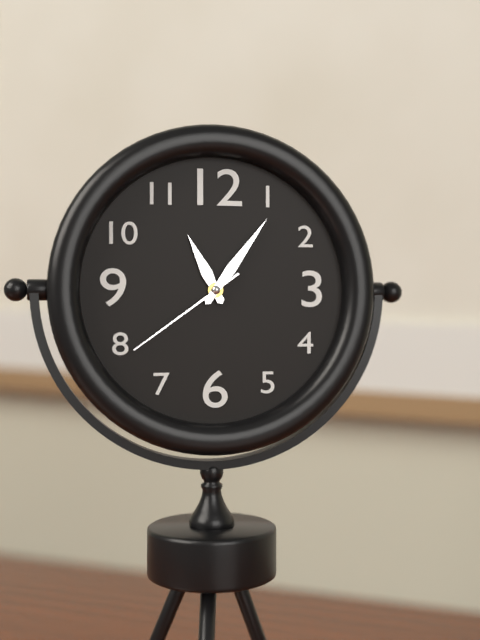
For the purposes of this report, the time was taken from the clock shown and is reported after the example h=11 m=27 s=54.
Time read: h=11 m=6 s=39
